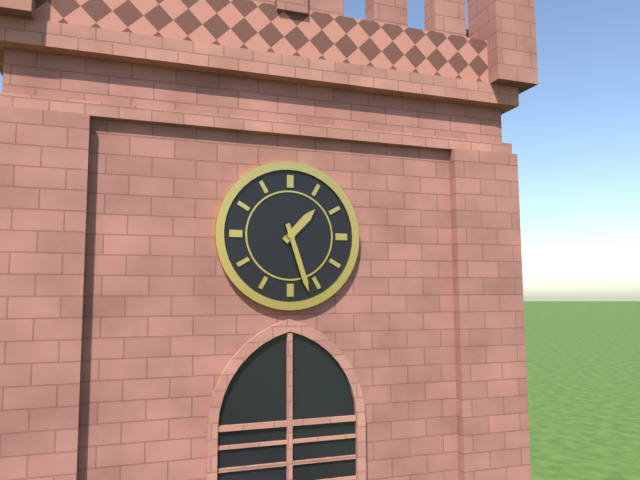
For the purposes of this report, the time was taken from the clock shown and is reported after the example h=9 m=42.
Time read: h=1 m=27
